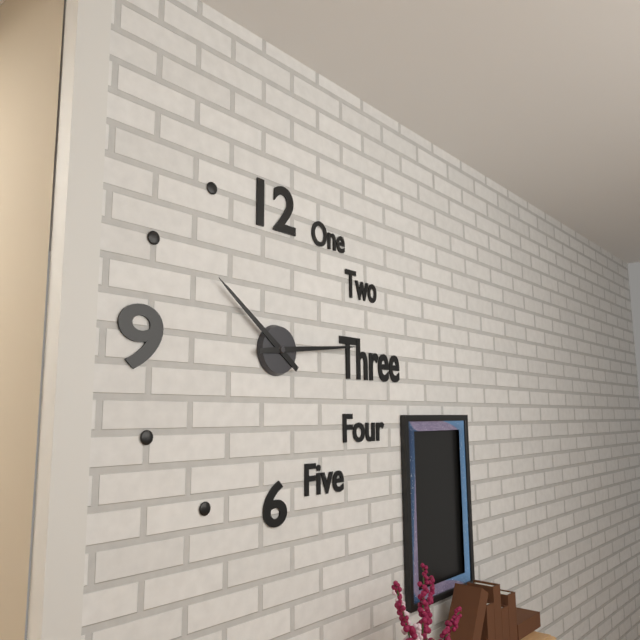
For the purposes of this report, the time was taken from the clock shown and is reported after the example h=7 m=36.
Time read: h=10 m=14
